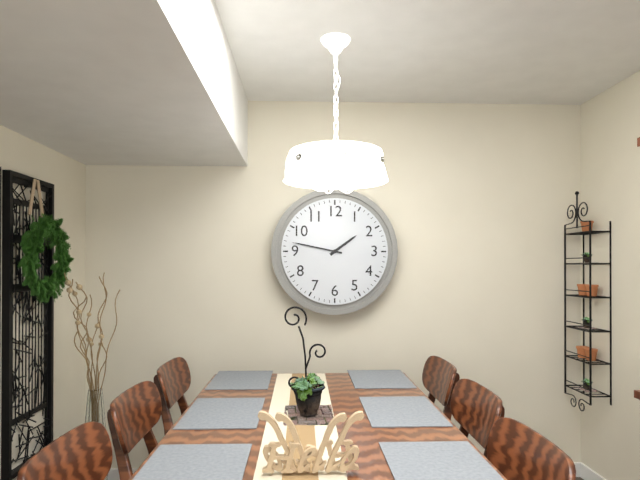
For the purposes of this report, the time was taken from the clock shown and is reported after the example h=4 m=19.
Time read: h=1 m=47
